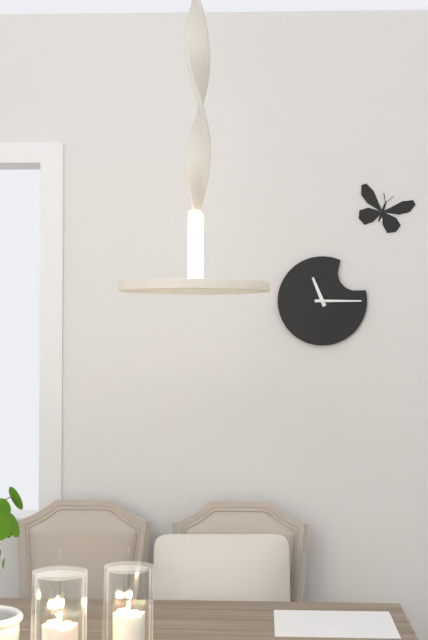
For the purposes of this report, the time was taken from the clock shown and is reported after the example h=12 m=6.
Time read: h=11 m=15
